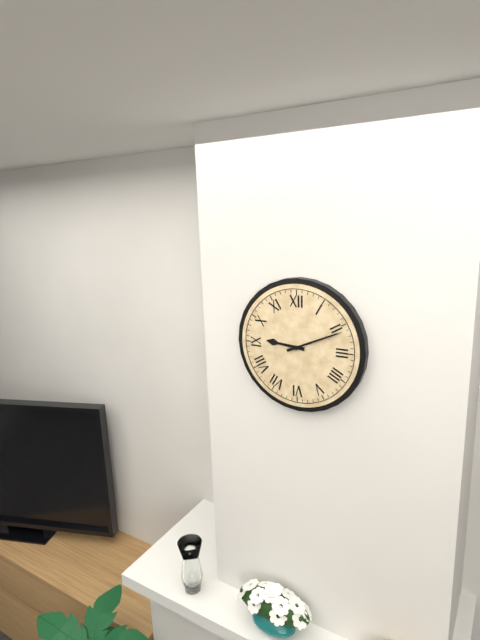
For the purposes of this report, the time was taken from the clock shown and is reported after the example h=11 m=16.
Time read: h=9 m=11
